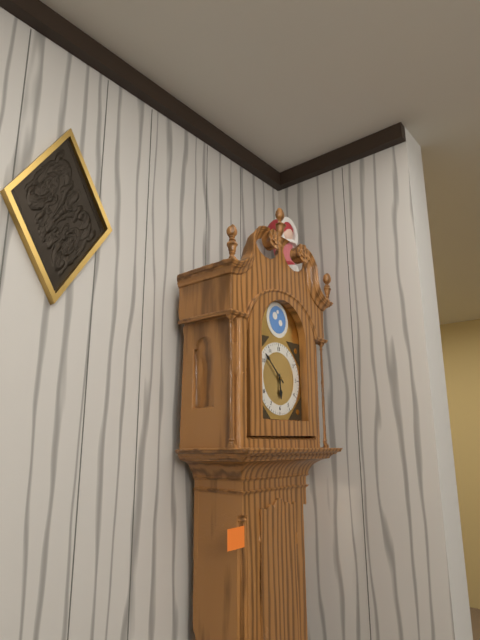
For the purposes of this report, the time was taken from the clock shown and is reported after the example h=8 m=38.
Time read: h=5 m=52
